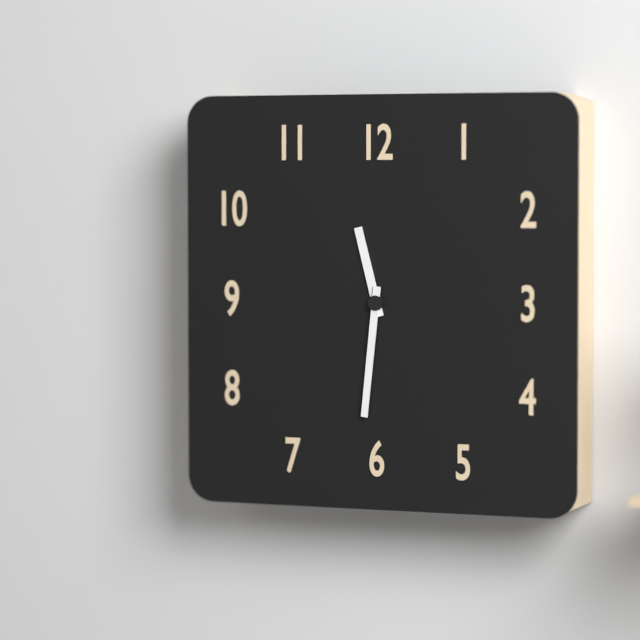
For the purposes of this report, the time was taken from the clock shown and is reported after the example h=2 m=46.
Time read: h=11 m=31
